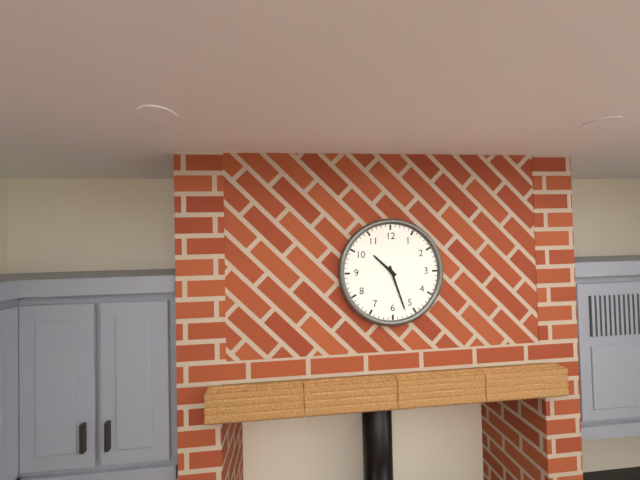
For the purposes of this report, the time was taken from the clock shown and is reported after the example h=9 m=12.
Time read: h=10 m=27
